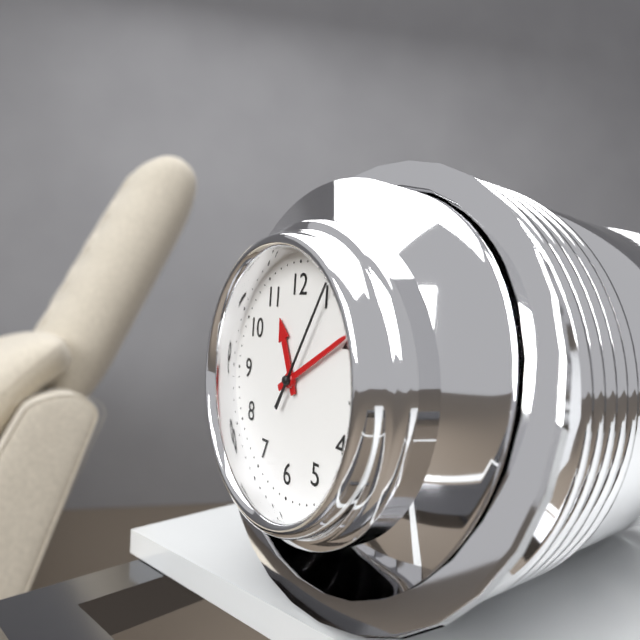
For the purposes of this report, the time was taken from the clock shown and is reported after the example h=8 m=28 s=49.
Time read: h=11 m=10 s=5
